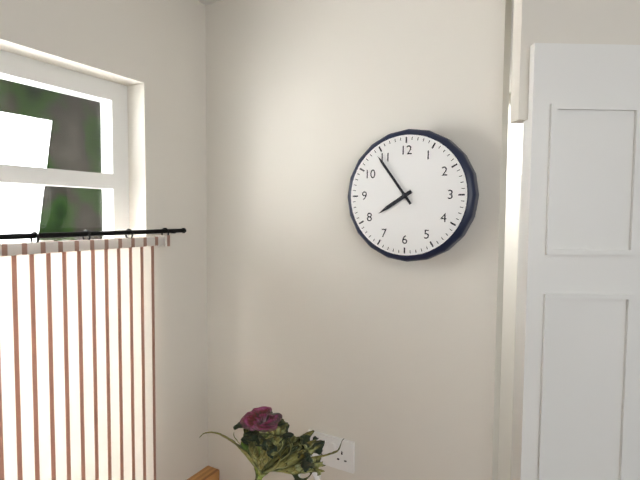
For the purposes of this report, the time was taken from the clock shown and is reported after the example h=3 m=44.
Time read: h=7 m=54
